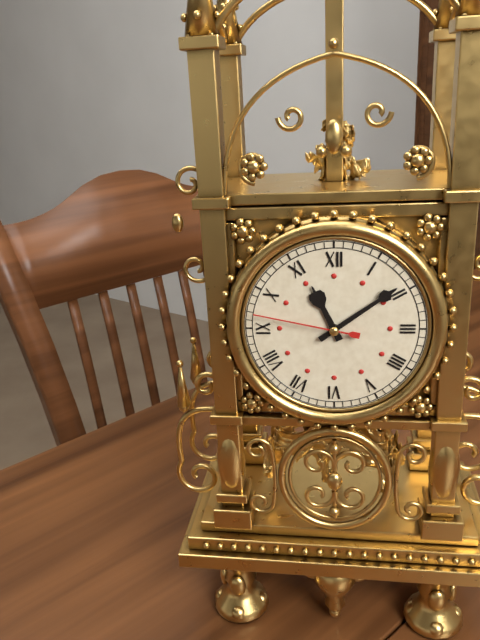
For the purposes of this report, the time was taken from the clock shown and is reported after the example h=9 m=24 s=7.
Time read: h=11 m=9 s=47
